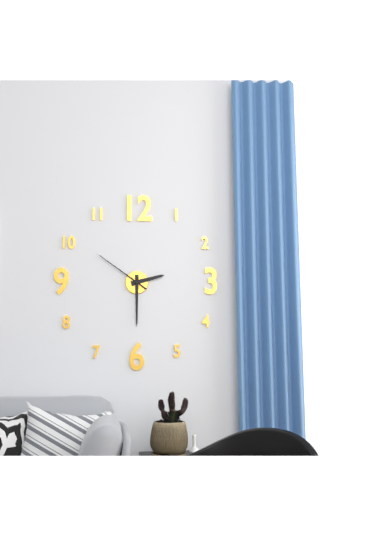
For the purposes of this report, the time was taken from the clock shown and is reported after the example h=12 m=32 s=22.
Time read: h=2 m=30 s=51
